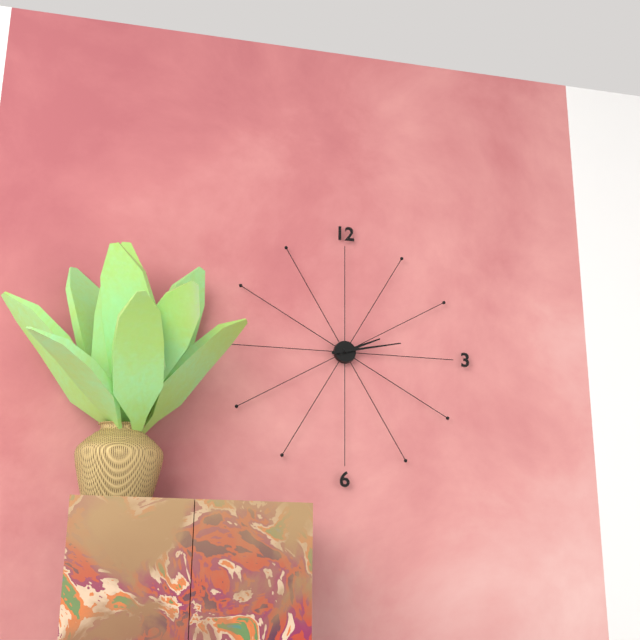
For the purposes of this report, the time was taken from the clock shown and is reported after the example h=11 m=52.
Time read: h=2 m=13
